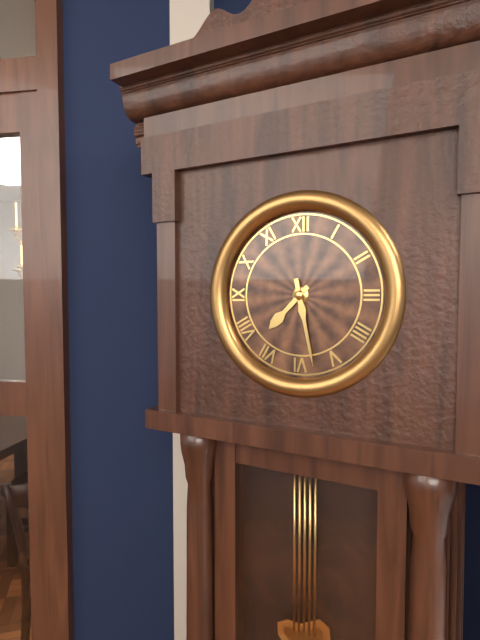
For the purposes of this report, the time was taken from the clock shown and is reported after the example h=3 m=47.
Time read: h=7 m=28
